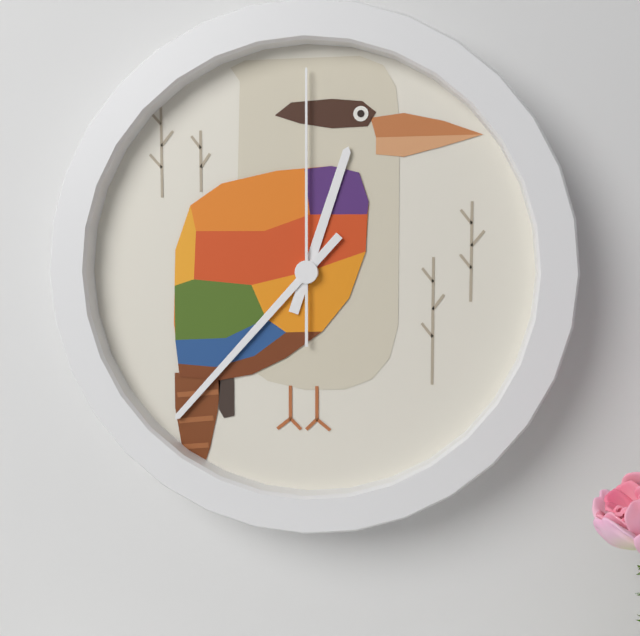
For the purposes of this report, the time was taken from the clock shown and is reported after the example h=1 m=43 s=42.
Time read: h=12 m=37 s=0
